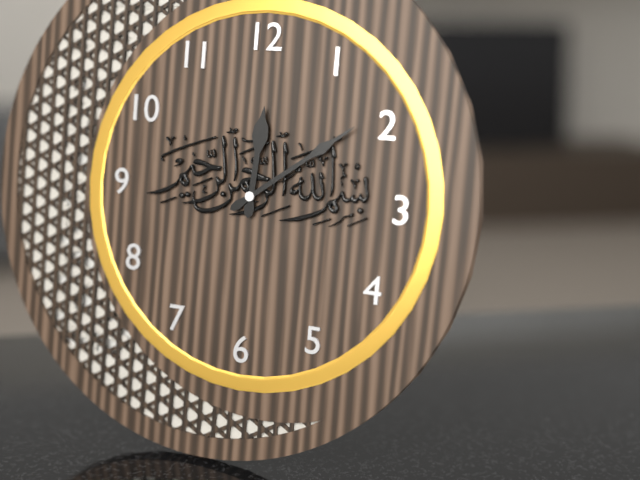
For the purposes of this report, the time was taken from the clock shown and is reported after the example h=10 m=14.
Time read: h=12 m=9
